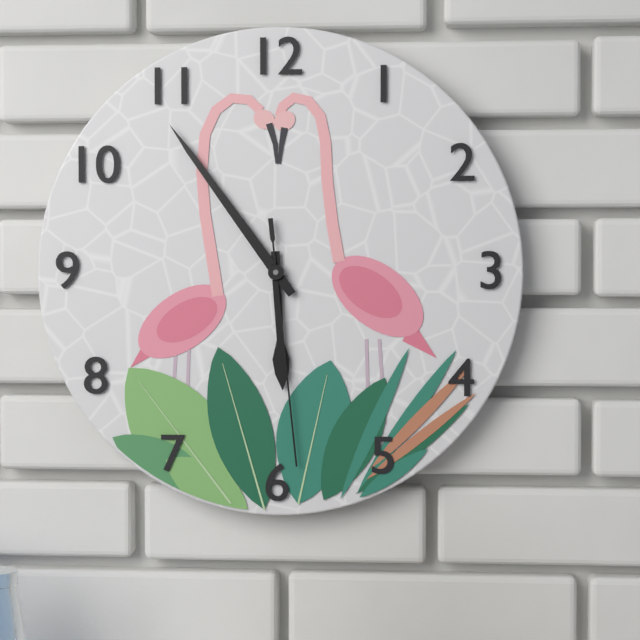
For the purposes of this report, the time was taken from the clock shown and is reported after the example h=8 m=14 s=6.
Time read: h=5 m=54 s=29
